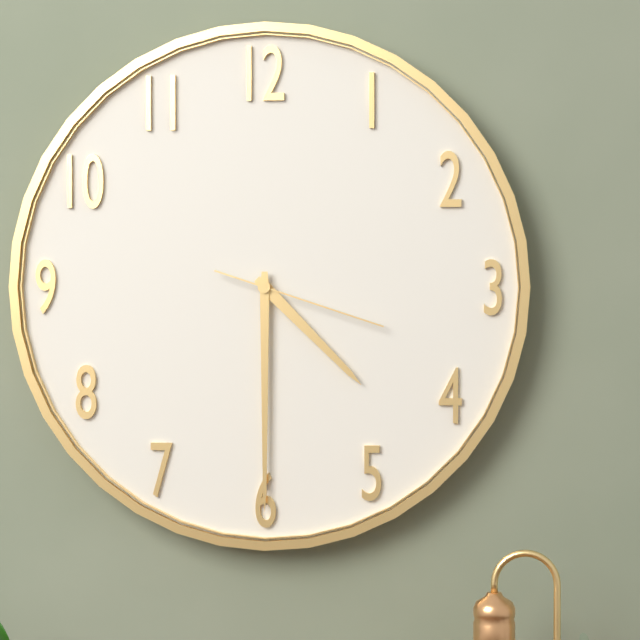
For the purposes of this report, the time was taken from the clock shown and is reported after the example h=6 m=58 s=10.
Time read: h=4 m=30 s=18
